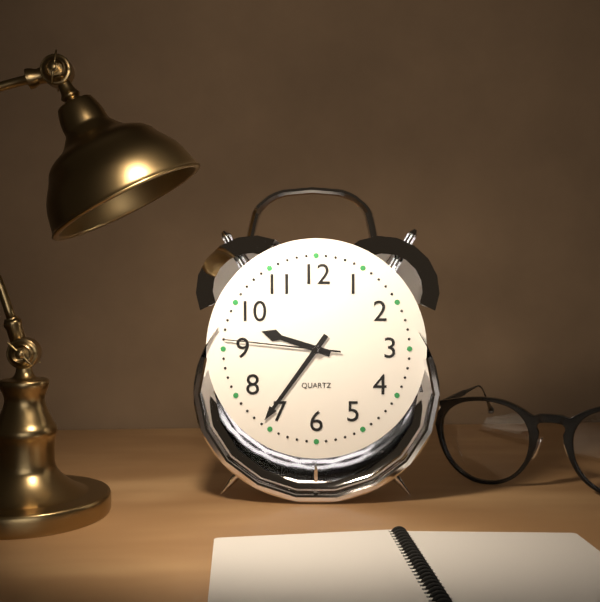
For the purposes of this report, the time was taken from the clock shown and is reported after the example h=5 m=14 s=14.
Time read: h=9 m=36 s=46
